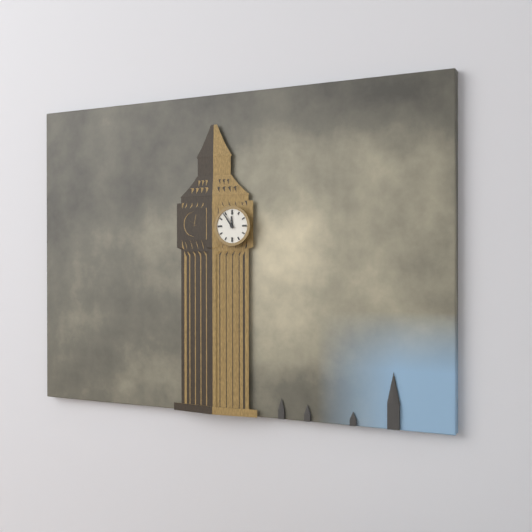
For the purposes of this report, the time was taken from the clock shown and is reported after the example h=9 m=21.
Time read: h=11 m=54
